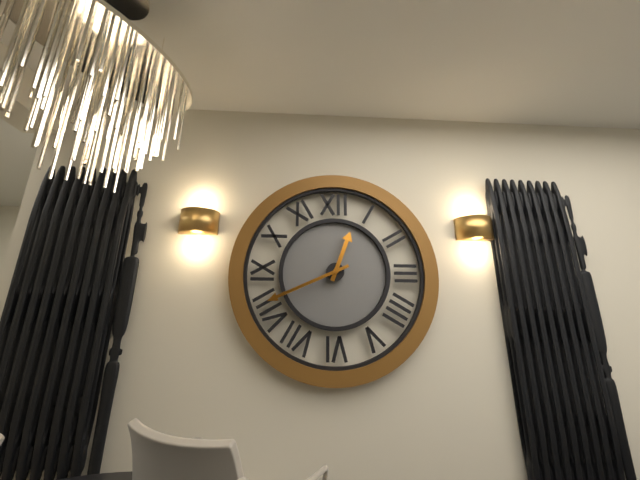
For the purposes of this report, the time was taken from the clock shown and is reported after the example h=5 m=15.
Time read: h=12 m=41
